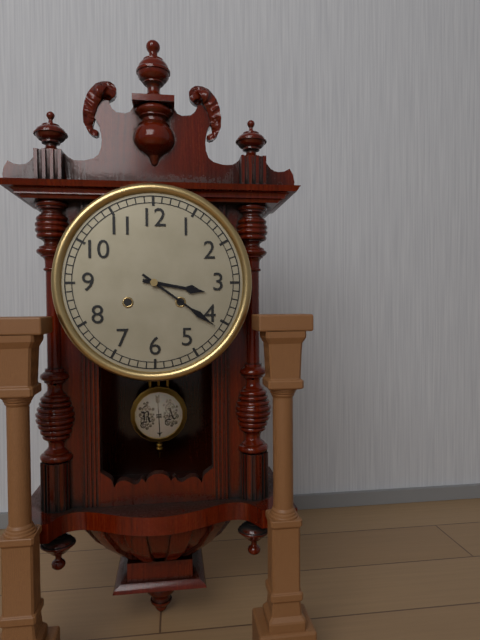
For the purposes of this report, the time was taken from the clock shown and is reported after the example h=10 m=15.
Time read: h=3 m=21
